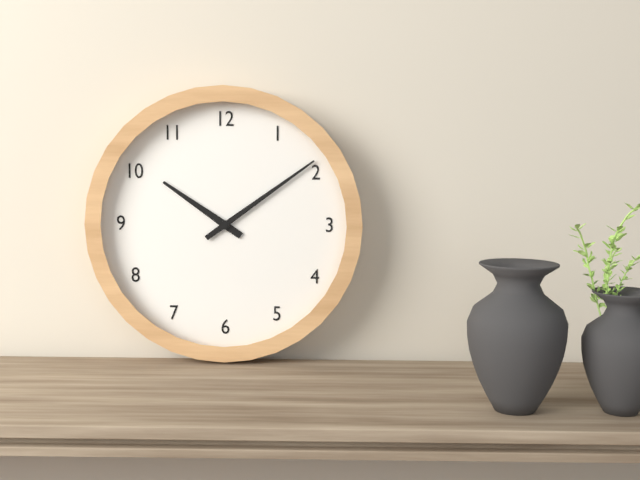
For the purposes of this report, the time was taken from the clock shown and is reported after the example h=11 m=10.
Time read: h=10 m=9
